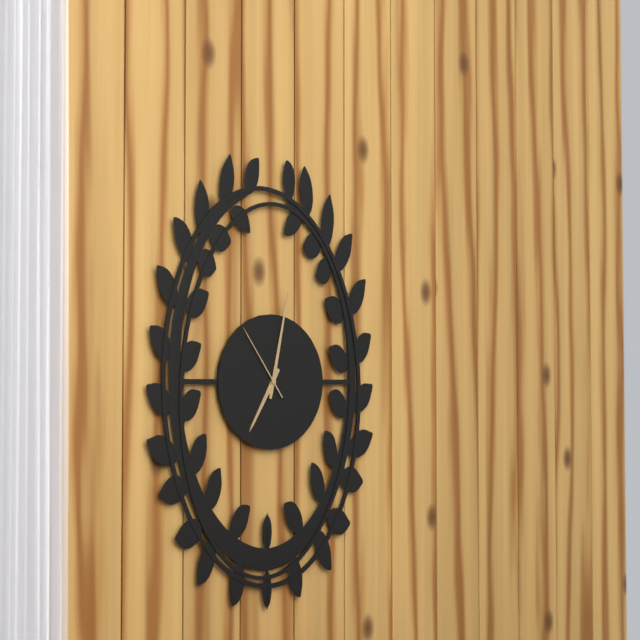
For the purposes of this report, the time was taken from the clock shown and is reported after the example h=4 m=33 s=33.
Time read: h=7 m=2 s=54
